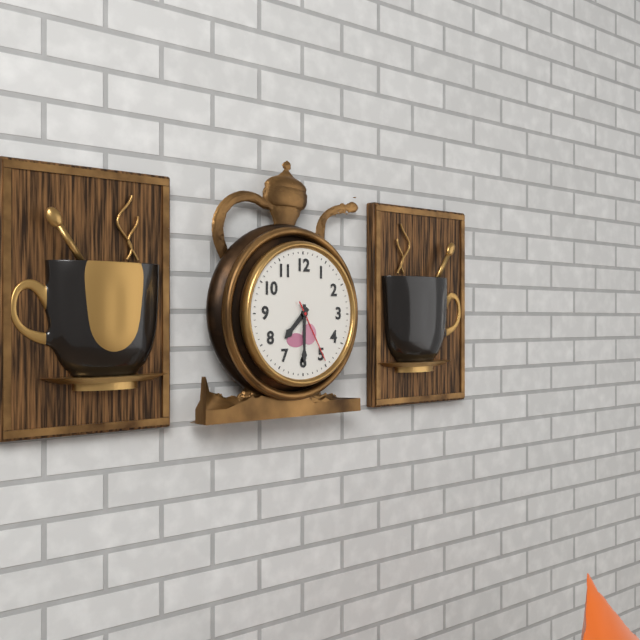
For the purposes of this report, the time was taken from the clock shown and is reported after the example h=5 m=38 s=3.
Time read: h=7 m=30 s=25
